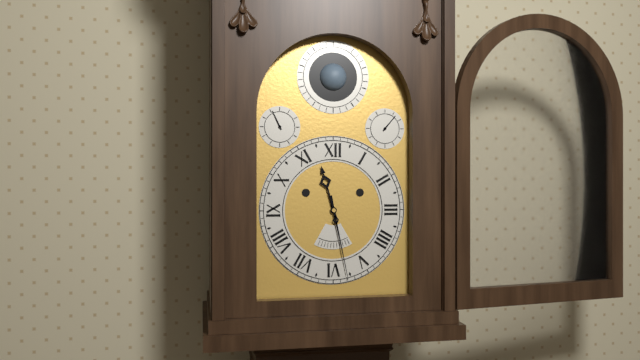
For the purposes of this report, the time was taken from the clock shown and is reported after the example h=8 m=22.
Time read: h=11 m=28
